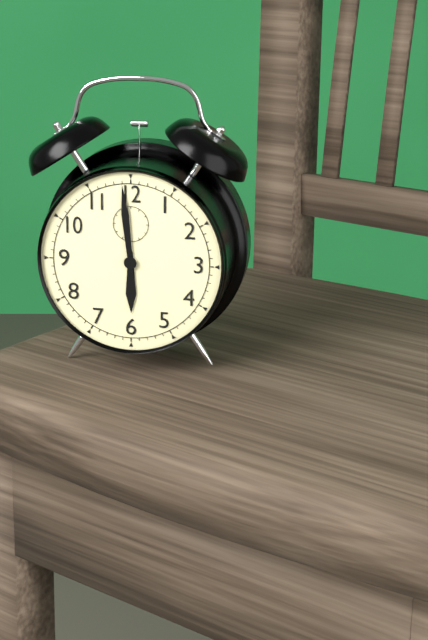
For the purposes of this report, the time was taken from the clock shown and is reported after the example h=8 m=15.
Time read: h=5 m=59
